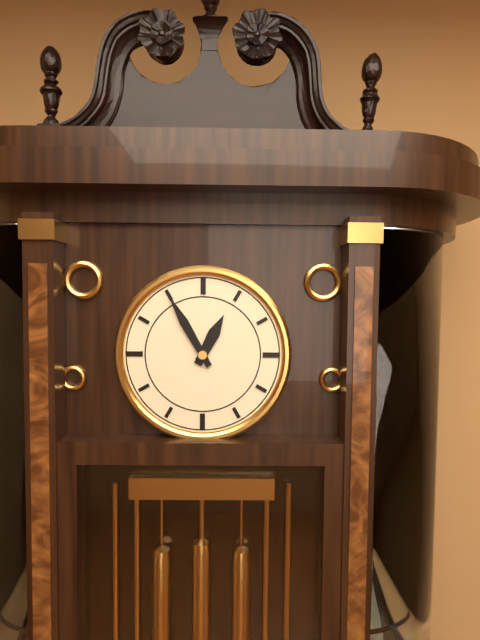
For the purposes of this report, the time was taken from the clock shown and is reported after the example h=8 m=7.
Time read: h=12 m=55
